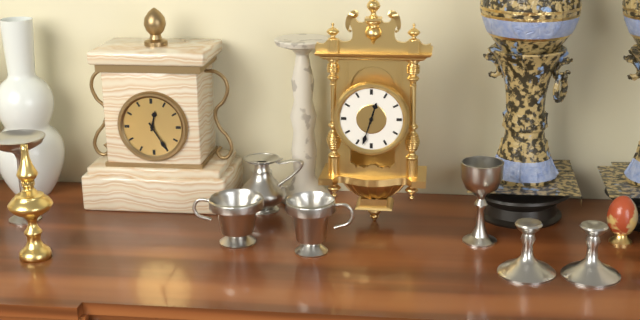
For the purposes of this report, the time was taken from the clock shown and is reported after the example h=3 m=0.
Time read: h=12 m=33
